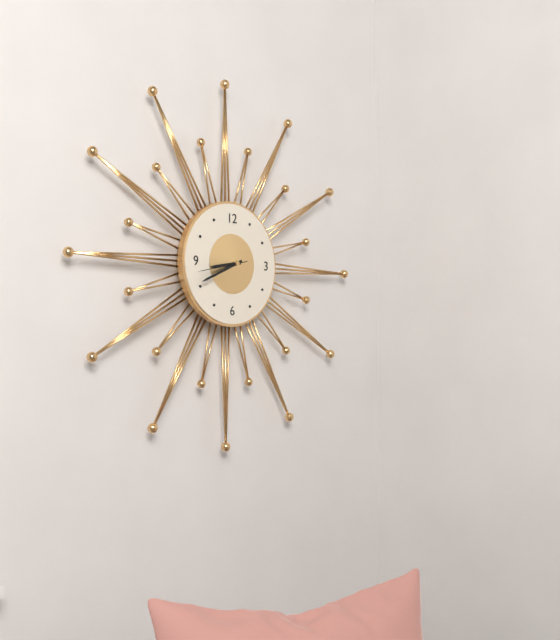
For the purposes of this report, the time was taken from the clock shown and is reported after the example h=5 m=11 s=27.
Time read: h=8 m=41 s=43
